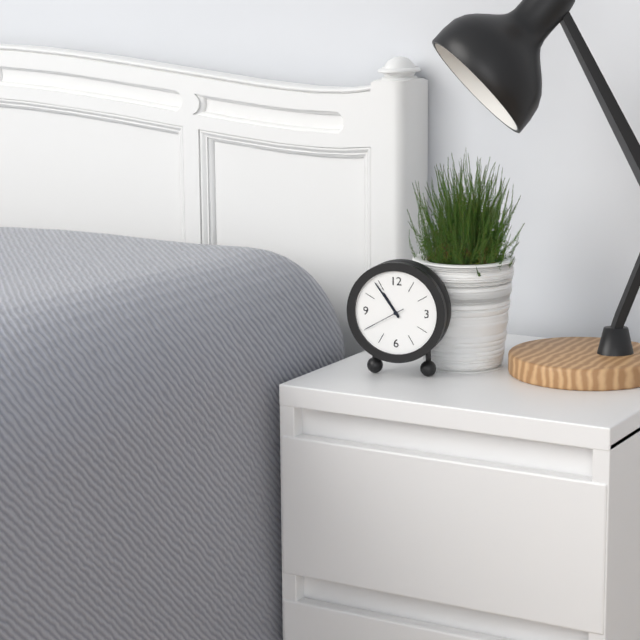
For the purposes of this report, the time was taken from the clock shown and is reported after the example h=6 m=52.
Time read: h=10 m=54
